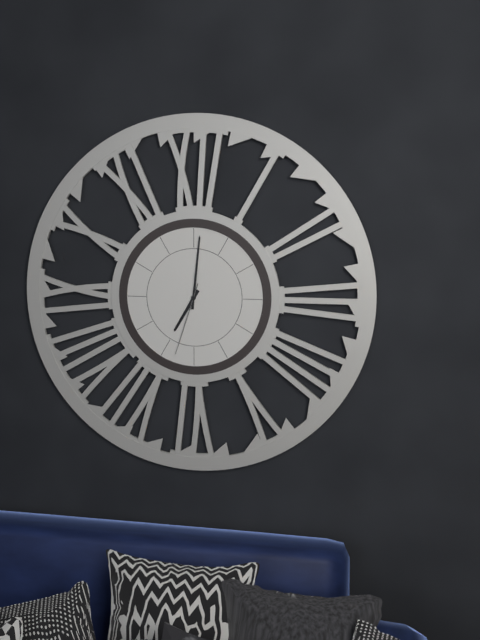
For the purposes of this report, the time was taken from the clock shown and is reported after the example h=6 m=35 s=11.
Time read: h=7 m=1 s=33
